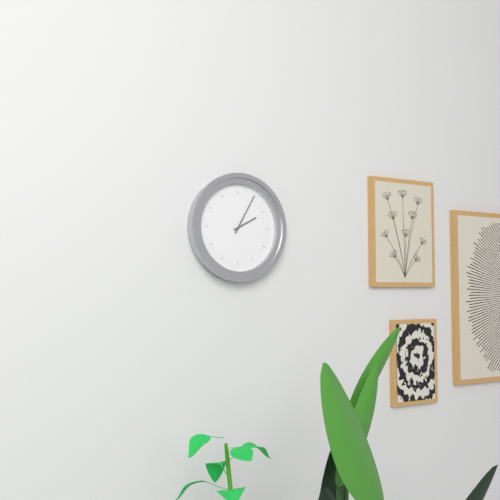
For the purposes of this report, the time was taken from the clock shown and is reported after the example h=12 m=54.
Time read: h=2 m=5
